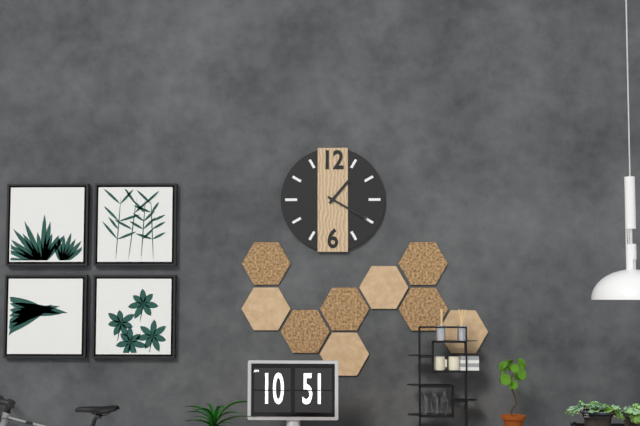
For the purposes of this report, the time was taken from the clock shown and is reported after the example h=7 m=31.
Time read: h=1 m=20
